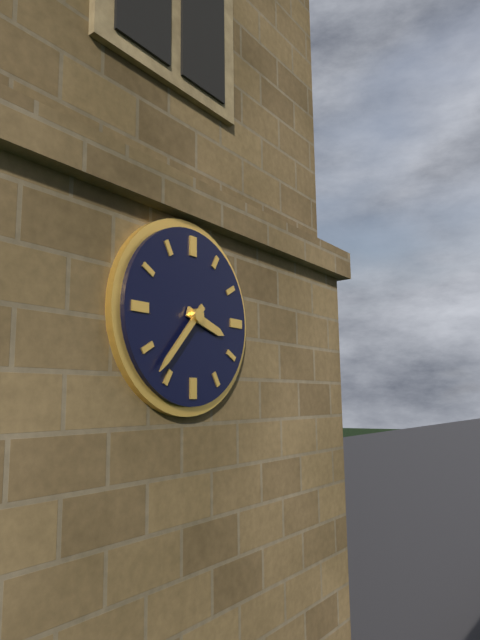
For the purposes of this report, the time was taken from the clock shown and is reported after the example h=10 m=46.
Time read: h=3 m=37
